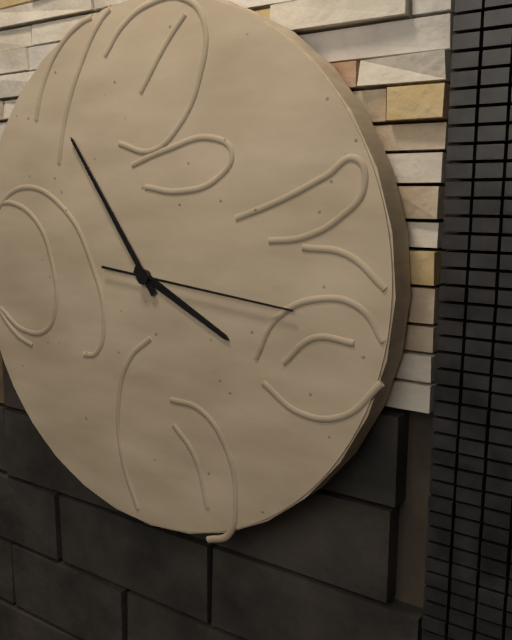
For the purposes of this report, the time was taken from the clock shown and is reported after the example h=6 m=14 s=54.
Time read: h=3 m=54 s=16
